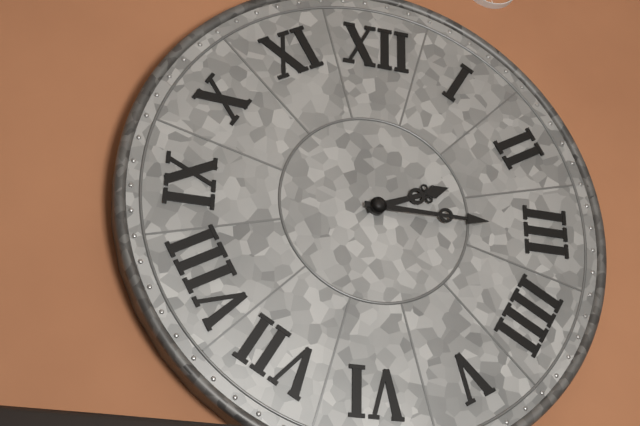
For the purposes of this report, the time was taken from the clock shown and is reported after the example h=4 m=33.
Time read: h=2 m=15
